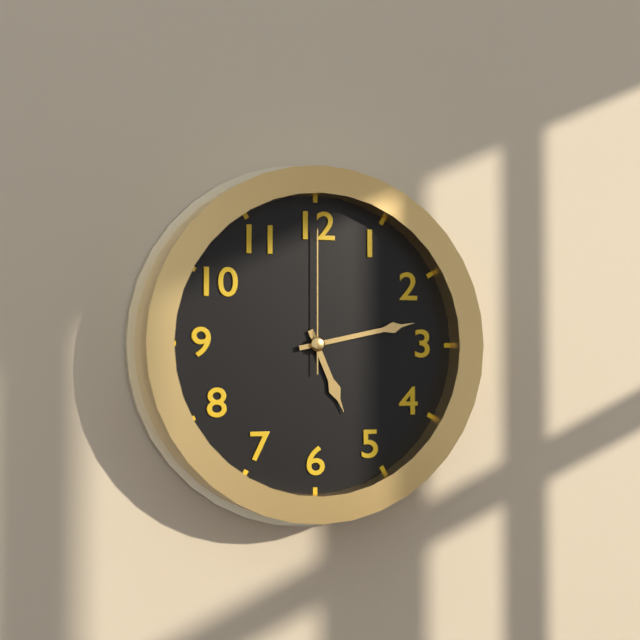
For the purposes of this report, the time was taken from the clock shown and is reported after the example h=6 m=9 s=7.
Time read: h=5 m=13 s=0
